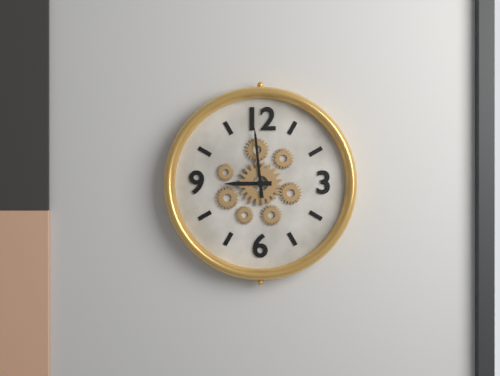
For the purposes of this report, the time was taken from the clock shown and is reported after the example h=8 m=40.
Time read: h=8 m=59
